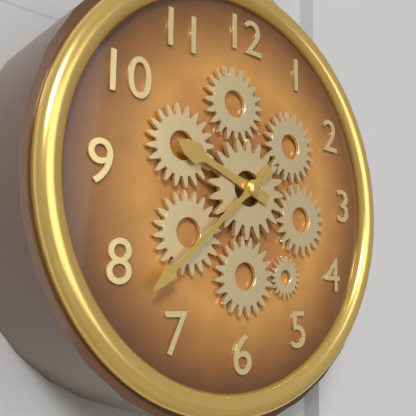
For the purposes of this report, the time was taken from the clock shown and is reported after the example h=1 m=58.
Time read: h=9 m=38
